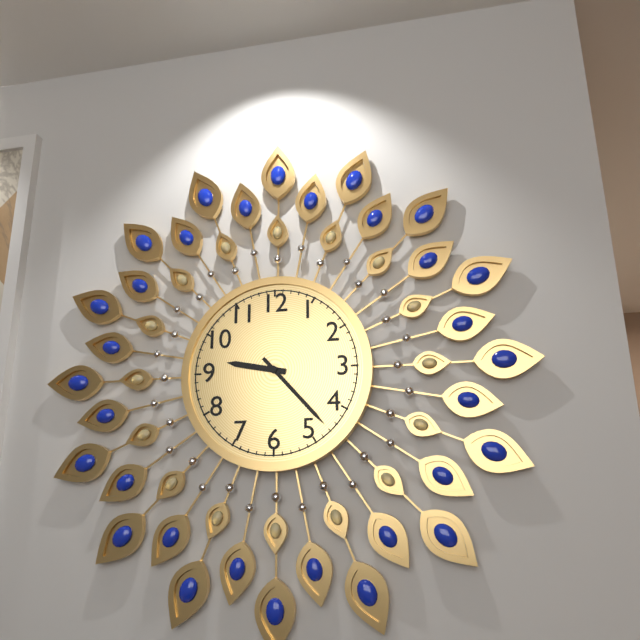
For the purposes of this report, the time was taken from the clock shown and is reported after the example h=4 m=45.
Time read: h=9 m=23
